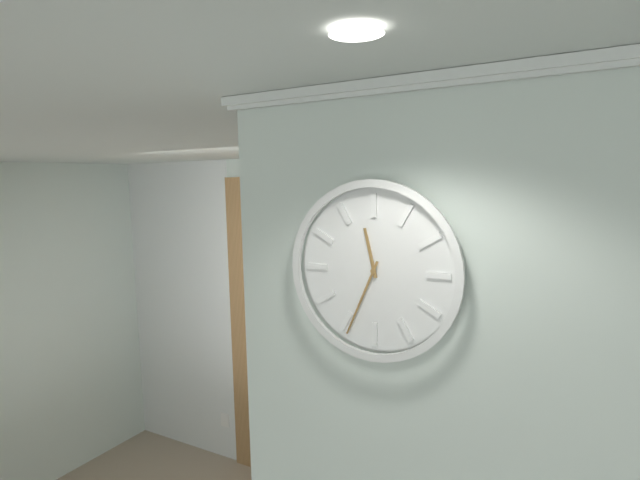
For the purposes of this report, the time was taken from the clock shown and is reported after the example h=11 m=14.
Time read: h=11 m=34
